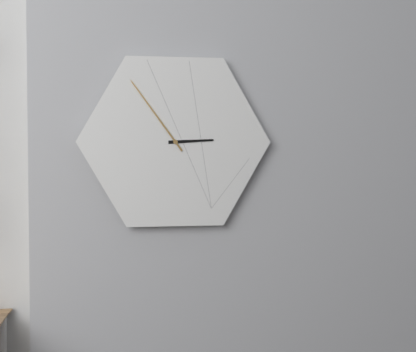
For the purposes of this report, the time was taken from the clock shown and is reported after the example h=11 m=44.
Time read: h=2 m=54
